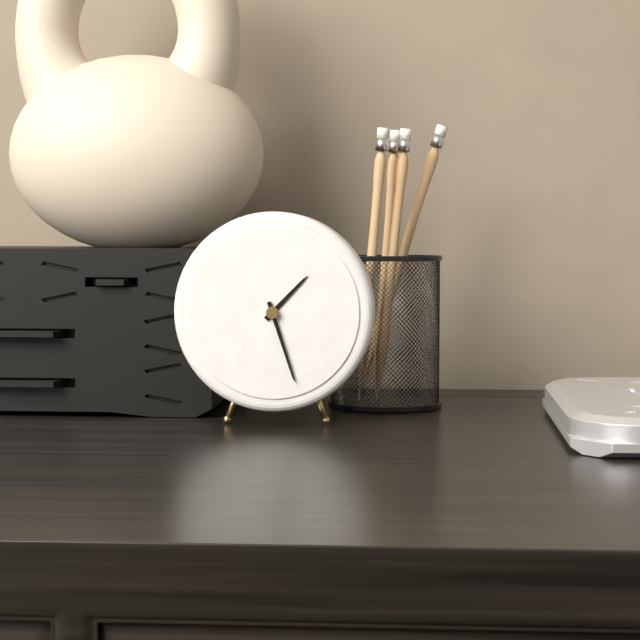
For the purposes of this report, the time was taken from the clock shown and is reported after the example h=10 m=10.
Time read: h=1 m=27
